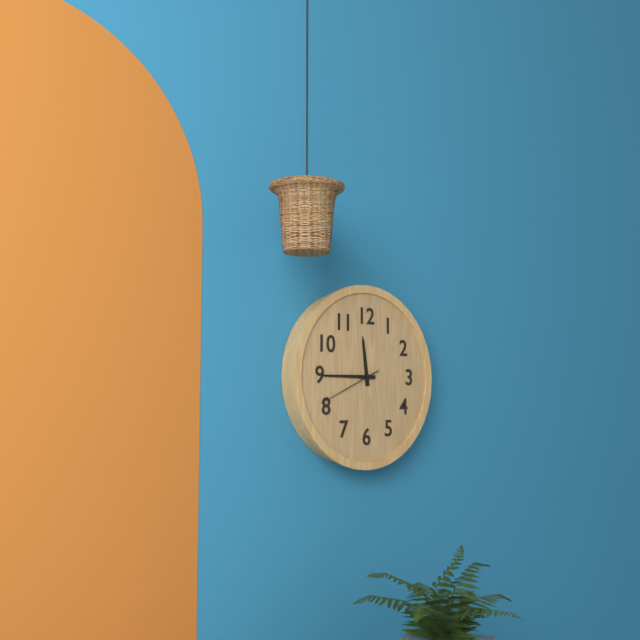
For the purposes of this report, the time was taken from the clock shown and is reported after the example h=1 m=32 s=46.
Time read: h=11 m=45 s=41
